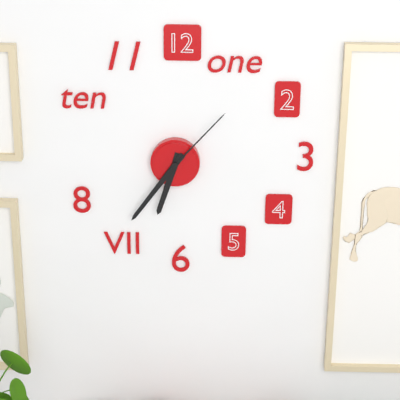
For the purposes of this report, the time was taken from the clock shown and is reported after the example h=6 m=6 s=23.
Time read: h=6 m=36 s=7
